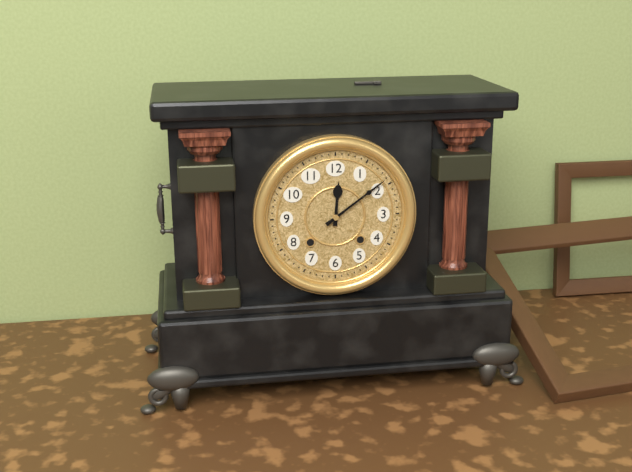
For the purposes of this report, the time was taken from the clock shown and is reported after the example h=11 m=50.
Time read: h=12 m=9
